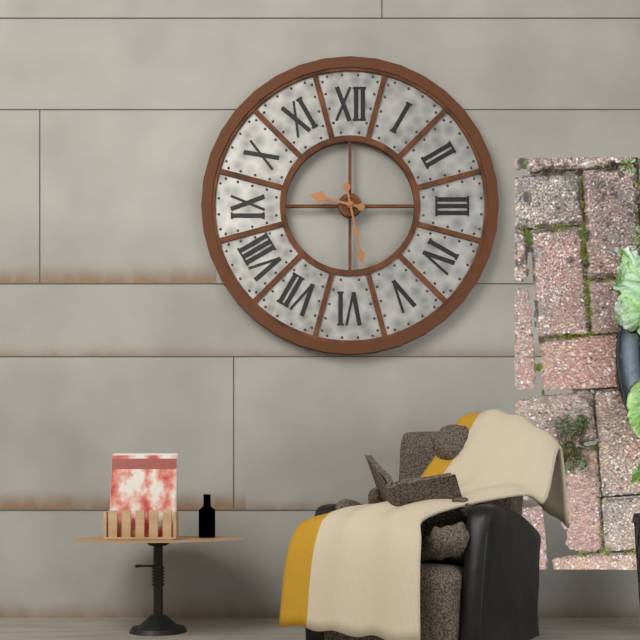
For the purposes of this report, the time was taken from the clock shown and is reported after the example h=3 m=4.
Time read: h=9 m=28
